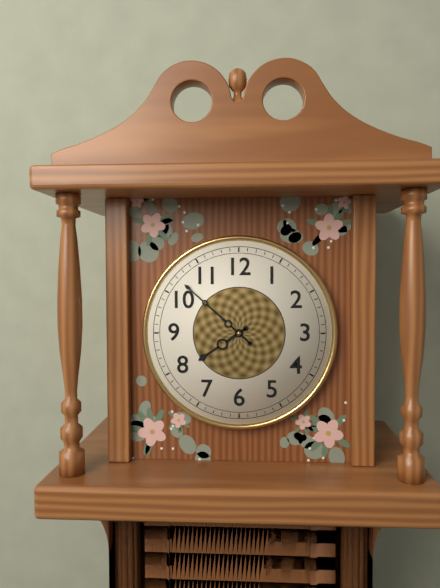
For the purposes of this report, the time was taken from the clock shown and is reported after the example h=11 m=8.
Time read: h=7 m=52
